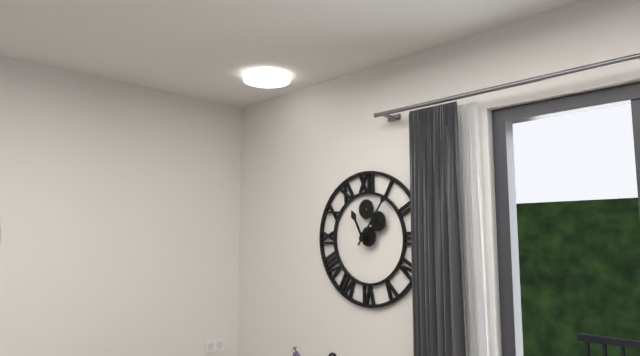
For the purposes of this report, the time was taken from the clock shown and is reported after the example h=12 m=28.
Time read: h=11 m=6
